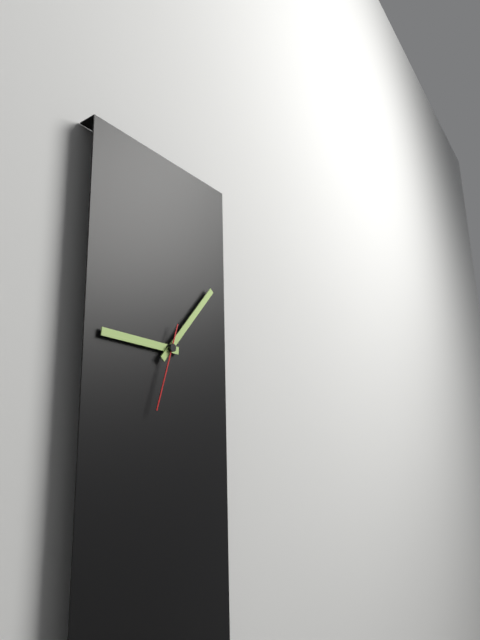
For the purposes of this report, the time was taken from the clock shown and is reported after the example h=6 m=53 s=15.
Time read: h=9 m=7 s=33
